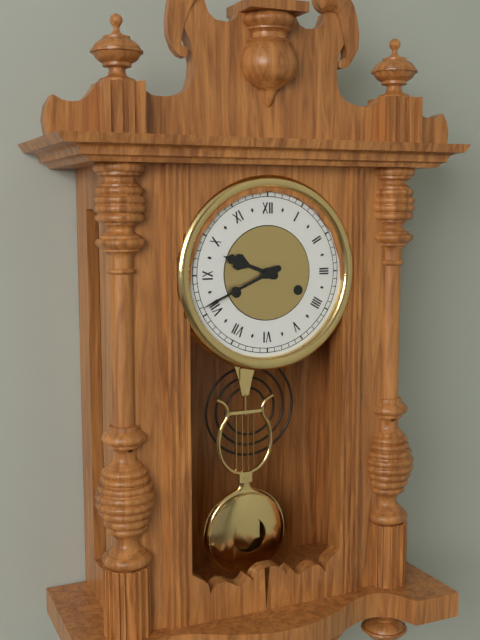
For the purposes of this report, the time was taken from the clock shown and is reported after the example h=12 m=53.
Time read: h=9 m=41
